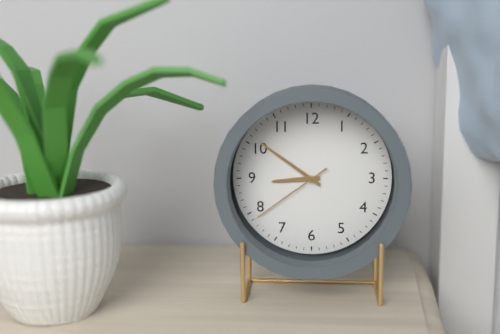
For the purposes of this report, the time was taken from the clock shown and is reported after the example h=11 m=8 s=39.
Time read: h=8 m=51 s=39
